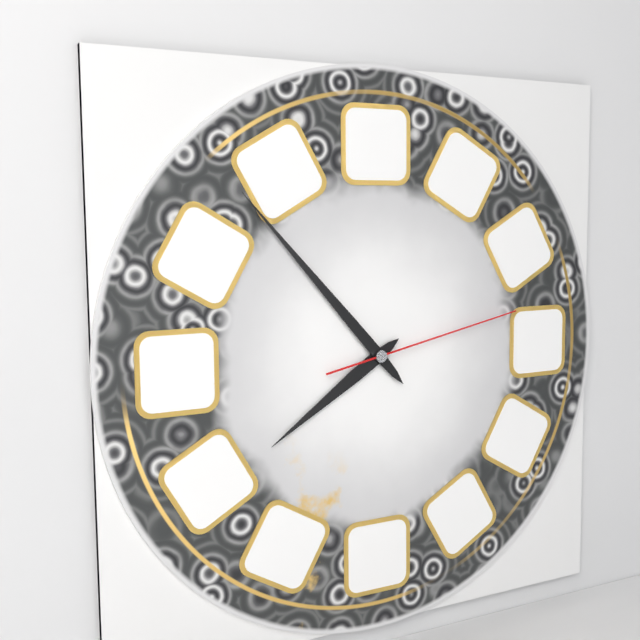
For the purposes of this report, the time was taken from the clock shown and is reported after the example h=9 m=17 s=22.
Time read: h=7 m=53 s=13
